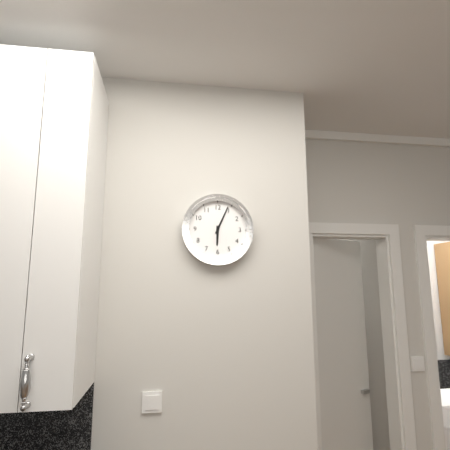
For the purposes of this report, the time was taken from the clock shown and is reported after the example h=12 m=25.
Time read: h=6 m=4
